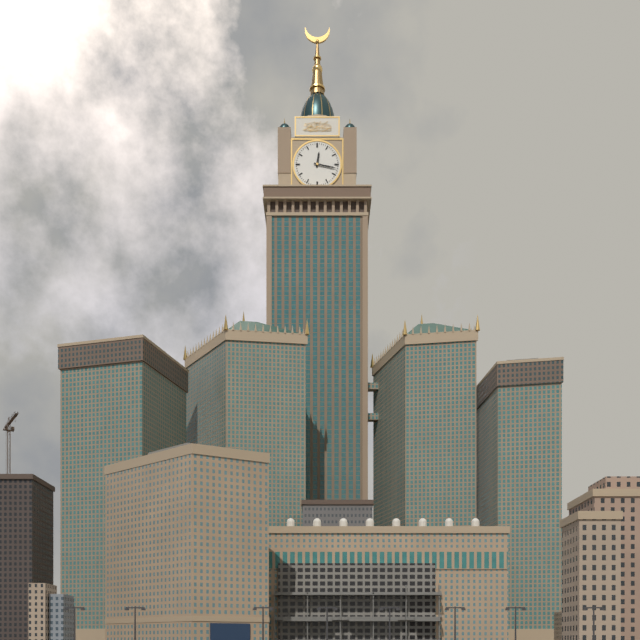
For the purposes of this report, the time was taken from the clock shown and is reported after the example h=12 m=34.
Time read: h=12 m=17
